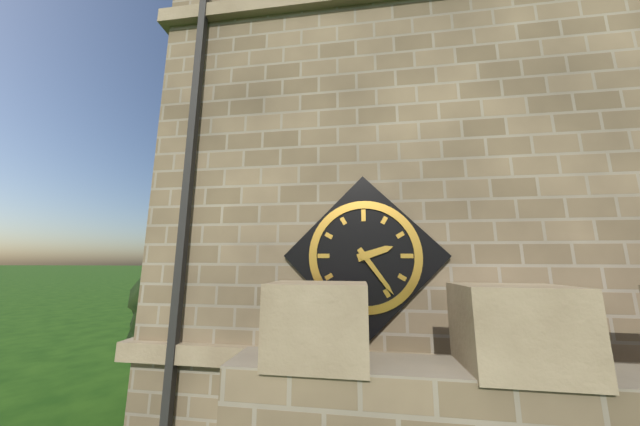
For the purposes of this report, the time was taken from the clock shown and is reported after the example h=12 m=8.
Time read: h=2 m=24
